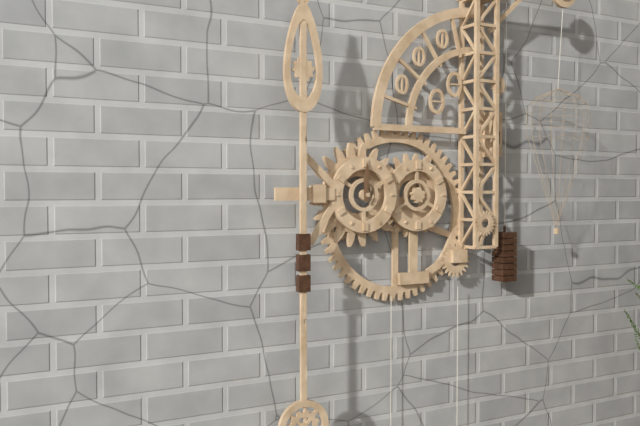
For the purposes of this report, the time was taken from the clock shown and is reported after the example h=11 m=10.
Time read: h=12 m=0
